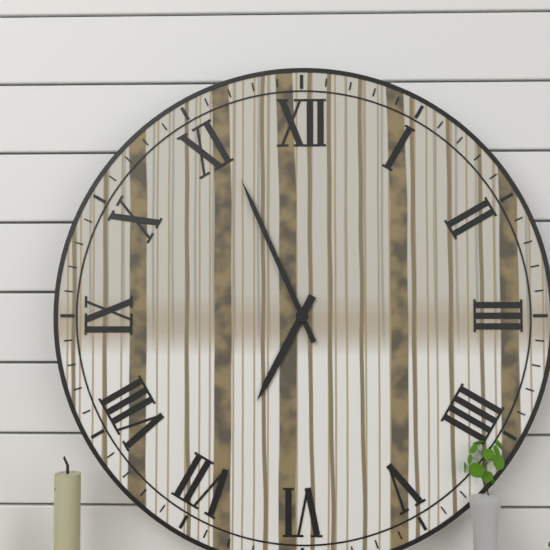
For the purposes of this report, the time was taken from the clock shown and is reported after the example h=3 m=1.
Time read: h=6 m=56
